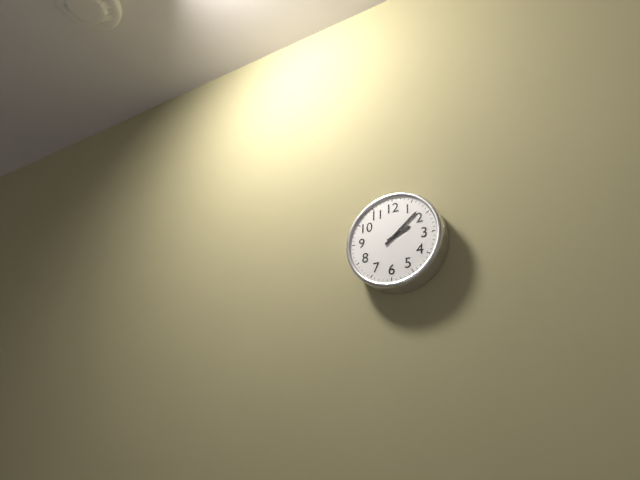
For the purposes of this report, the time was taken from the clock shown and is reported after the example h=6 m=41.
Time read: h=2 m=8
